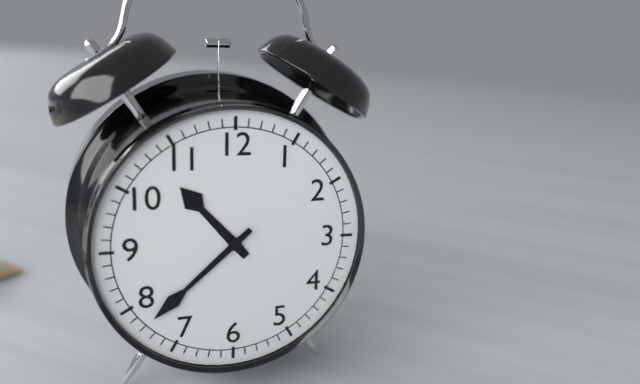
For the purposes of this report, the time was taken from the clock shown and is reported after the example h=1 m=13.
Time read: h=10 m=38
